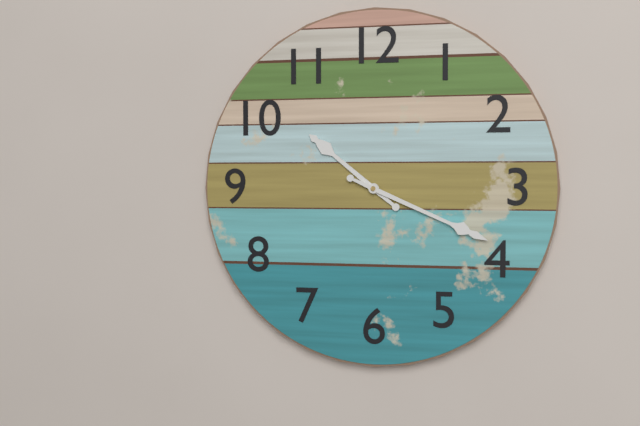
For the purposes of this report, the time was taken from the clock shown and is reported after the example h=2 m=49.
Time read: h=10 m=19
